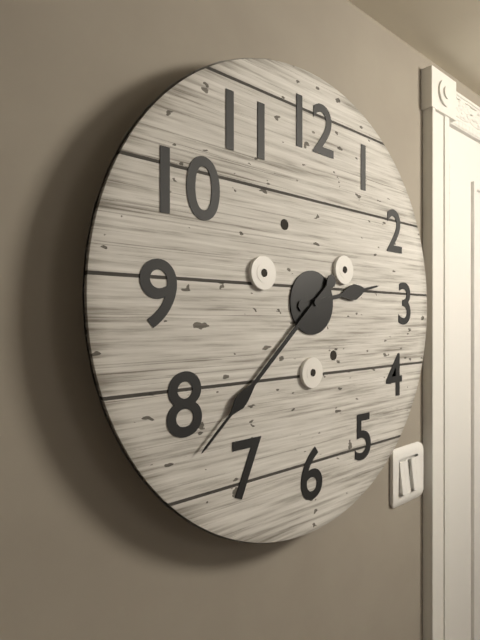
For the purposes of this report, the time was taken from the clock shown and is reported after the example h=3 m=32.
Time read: h=2 m=38
